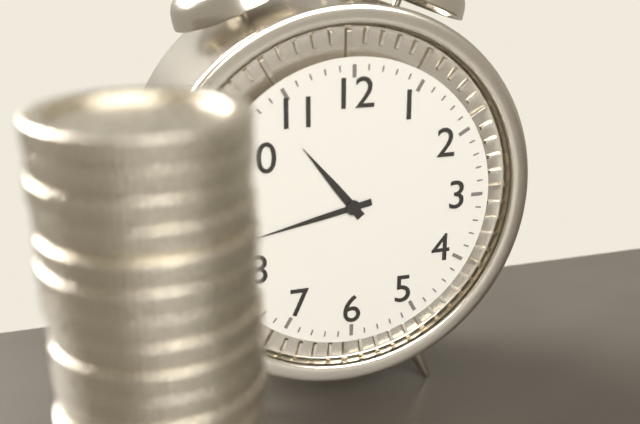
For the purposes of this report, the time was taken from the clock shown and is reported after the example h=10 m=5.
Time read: h=10 m=43
